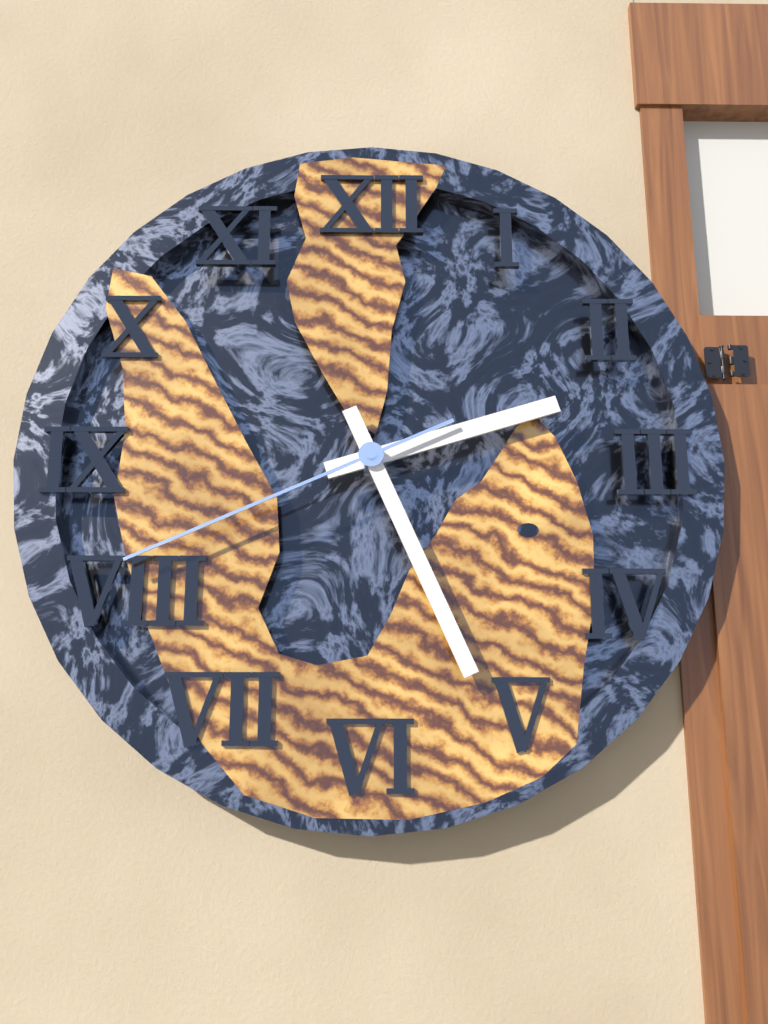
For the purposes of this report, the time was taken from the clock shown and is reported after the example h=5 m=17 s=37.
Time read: h=2 m=26 s=41
